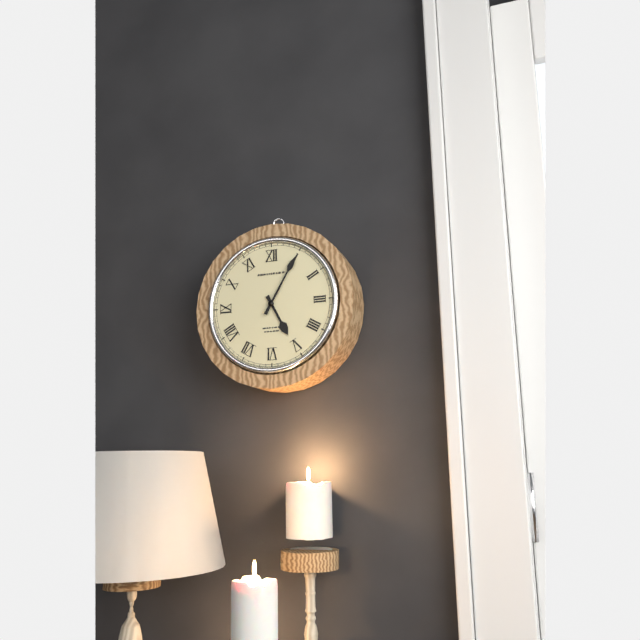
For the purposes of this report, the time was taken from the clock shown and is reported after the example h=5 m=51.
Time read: h=5 m=5
